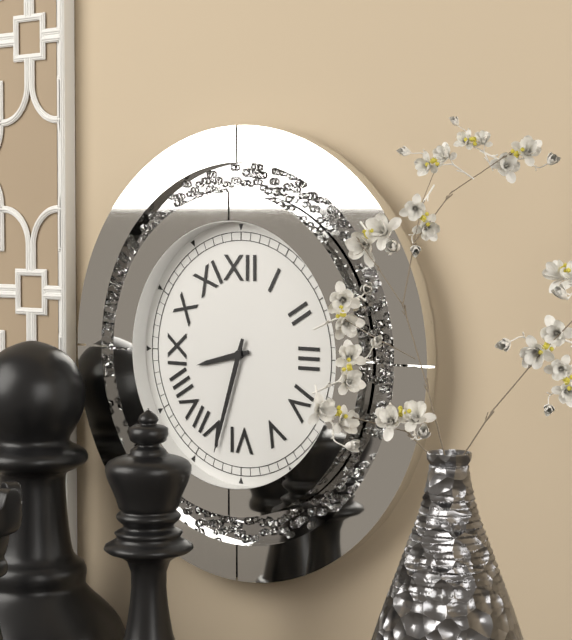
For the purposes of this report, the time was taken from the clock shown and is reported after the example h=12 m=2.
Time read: h=8 m=33
